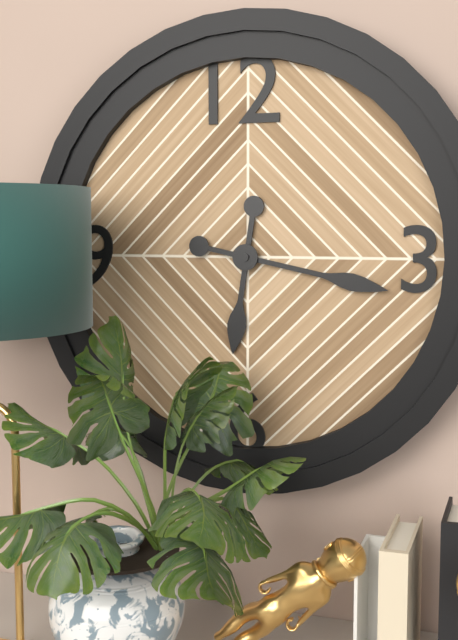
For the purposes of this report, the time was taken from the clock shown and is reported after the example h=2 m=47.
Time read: h=6 m=17
